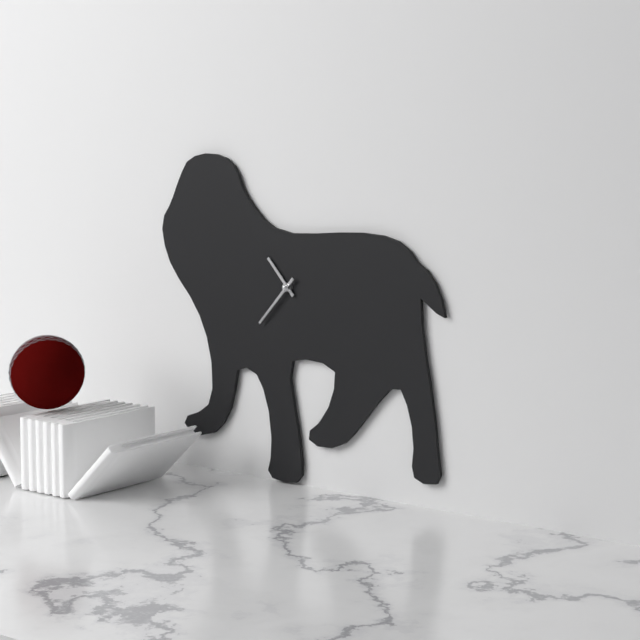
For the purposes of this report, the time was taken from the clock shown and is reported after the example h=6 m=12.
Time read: h=10 m=37
